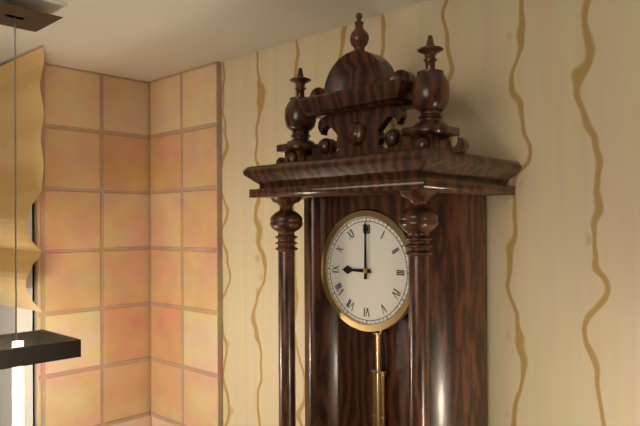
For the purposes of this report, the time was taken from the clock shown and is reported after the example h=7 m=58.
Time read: h=9 m=0
